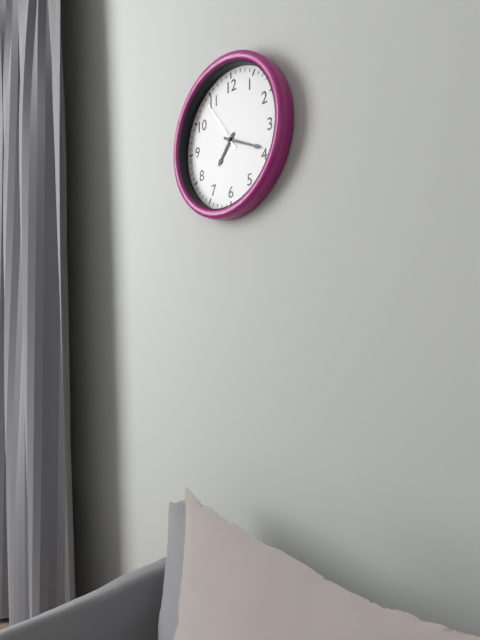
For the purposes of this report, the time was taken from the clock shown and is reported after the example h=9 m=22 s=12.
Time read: h=7 m=19 s=54
